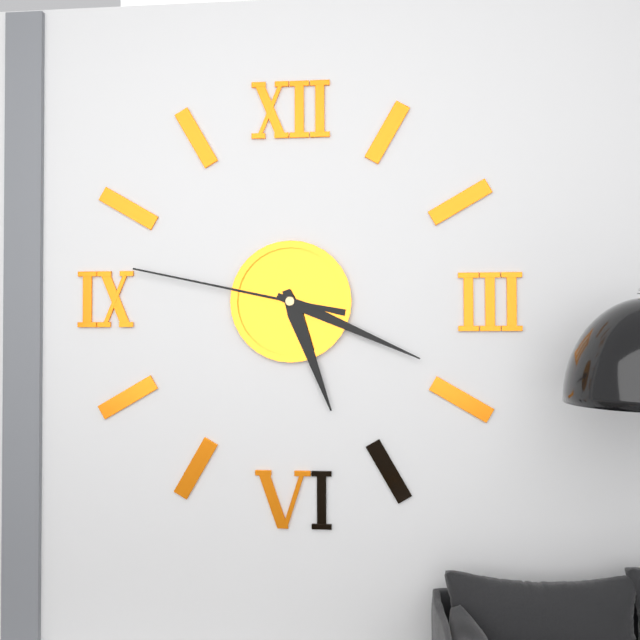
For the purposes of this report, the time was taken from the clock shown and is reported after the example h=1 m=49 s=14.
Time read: h=5 m=19 s=47
